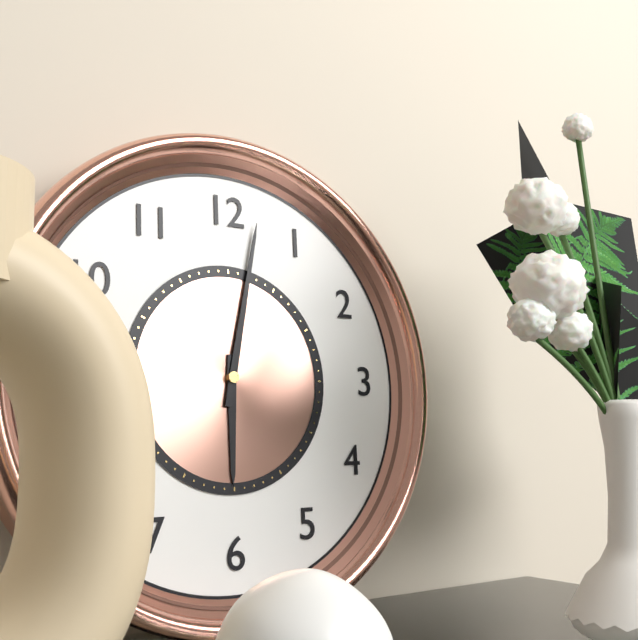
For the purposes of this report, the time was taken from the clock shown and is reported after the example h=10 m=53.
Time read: h=6 m=2
